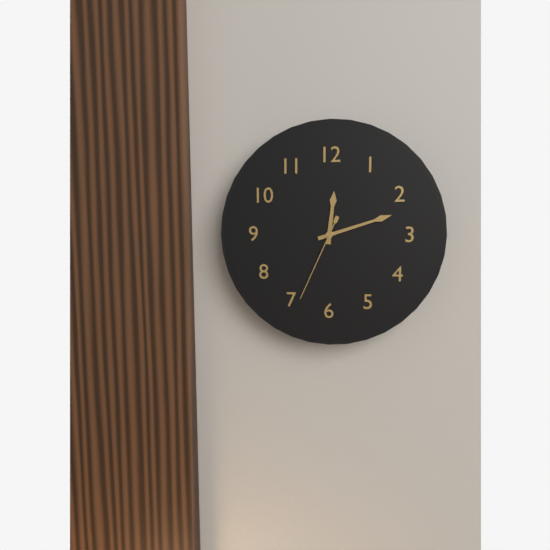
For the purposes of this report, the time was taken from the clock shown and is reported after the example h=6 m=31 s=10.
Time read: h=12 m=12 s=34
